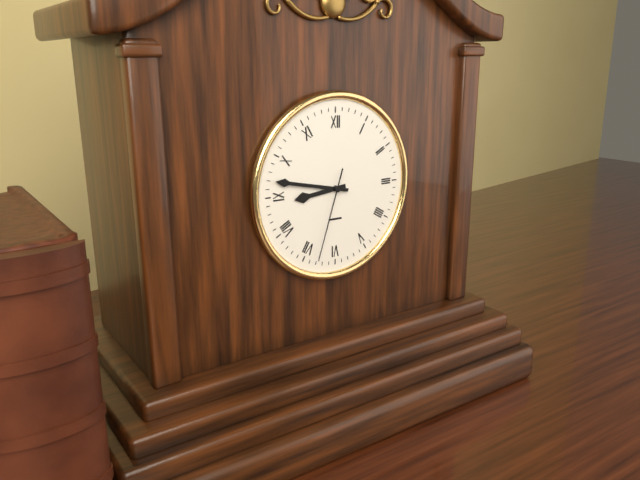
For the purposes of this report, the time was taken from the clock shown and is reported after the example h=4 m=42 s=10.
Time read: h=8 m=47 s=33
